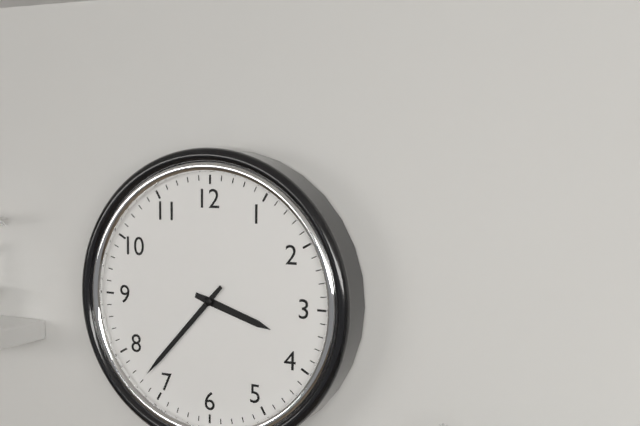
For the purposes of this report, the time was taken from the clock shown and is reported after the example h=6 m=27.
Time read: h=3 m=37
